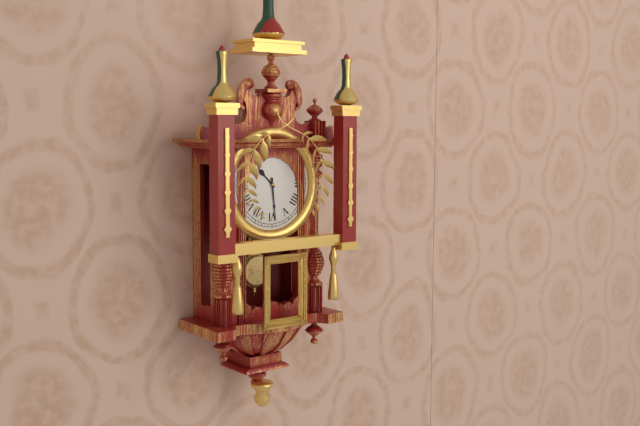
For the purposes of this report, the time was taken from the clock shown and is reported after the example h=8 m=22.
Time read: h=10 m=29
